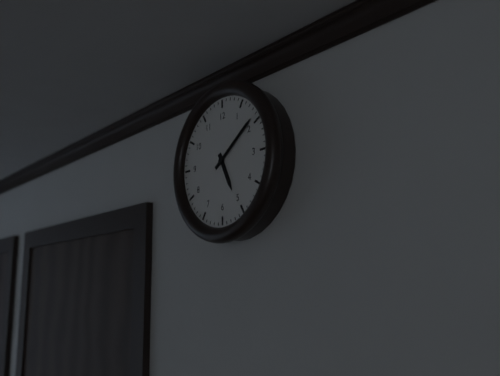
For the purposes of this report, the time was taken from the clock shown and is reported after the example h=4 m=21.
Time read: h=5 m=9
